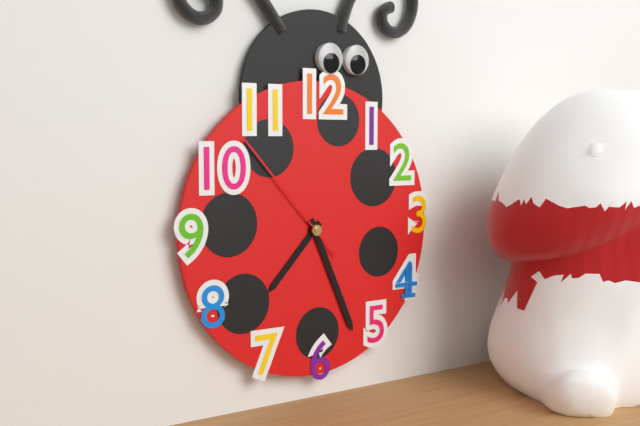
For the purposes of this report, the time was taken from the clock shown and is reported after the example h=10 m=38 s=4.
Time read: h=7 m=26 s=53
